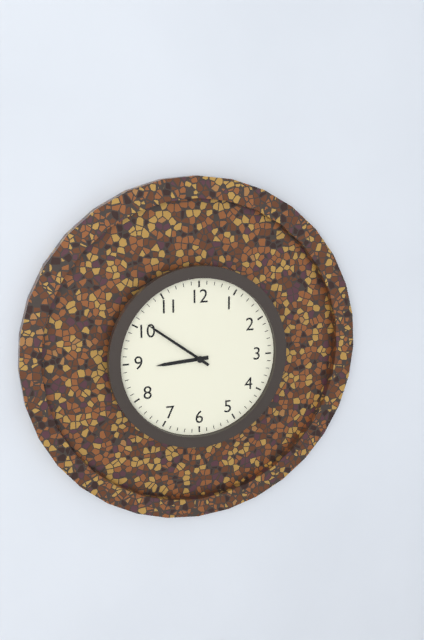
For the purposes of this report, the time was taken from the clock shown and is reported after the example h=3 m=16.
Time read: h=8 m=51
